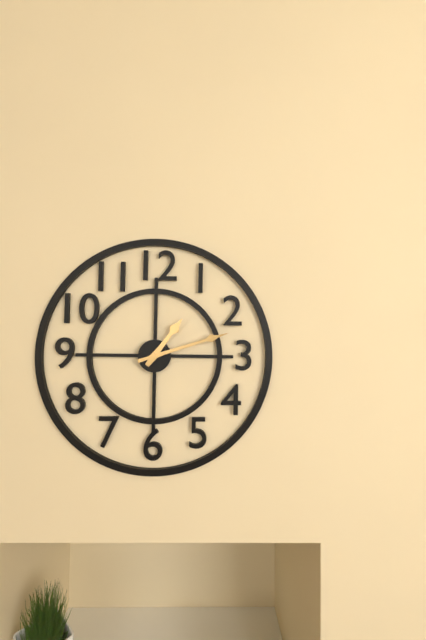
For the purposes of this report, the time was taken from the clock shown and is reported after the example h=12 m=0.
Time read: h=1 m=12
